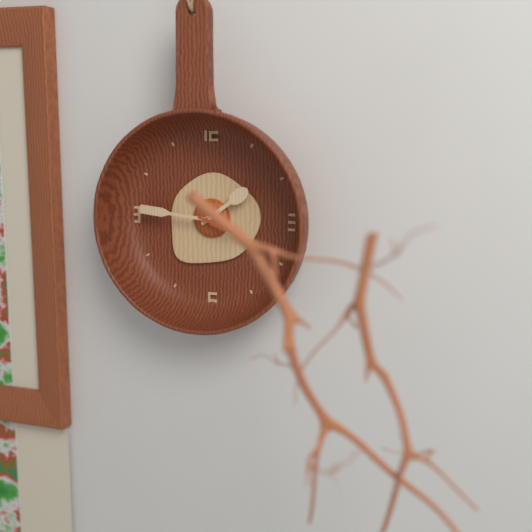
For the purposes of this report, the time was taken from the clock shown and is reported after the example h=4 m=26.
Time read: h=1 m=46
